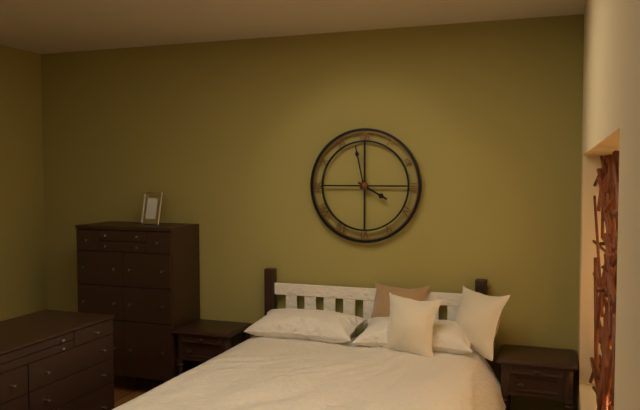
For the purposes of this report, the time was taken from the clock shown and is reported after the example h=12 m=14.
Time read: h=3 m=58
